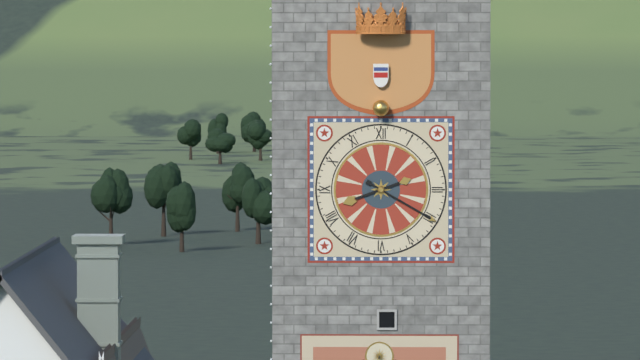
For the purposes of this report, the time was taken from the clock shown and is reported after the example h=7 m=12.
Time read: h=8 m=20
